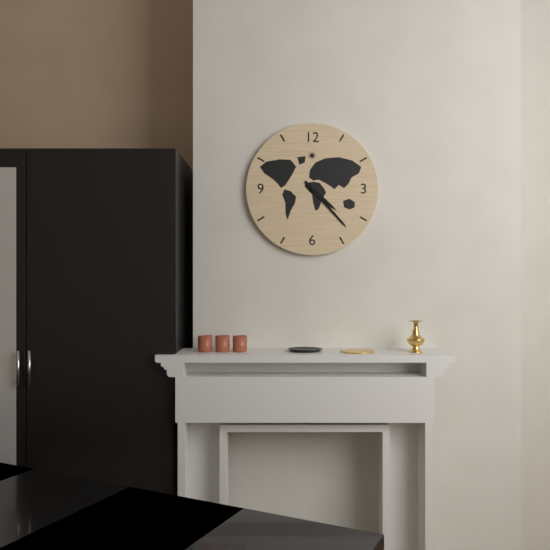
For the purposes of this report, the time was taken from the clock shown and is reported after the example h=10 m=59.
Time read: h=4 m=23
